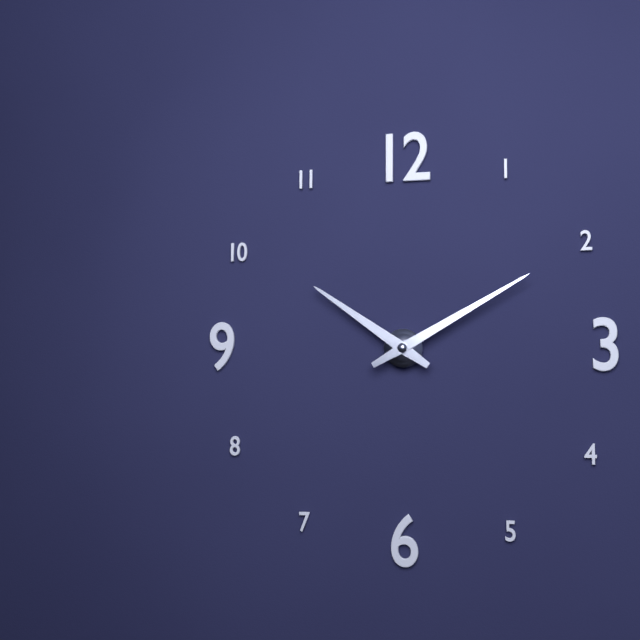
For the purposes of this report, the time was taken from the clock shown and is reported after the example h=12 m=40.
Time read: h=10 m=10
